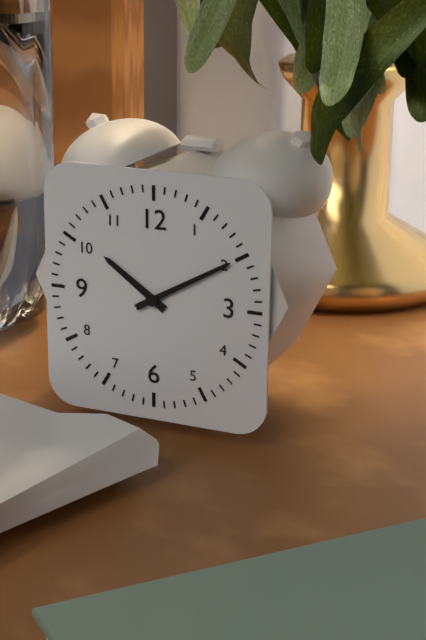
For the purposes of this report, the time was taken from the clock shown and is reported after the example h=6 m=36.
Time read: h=10 m=10
